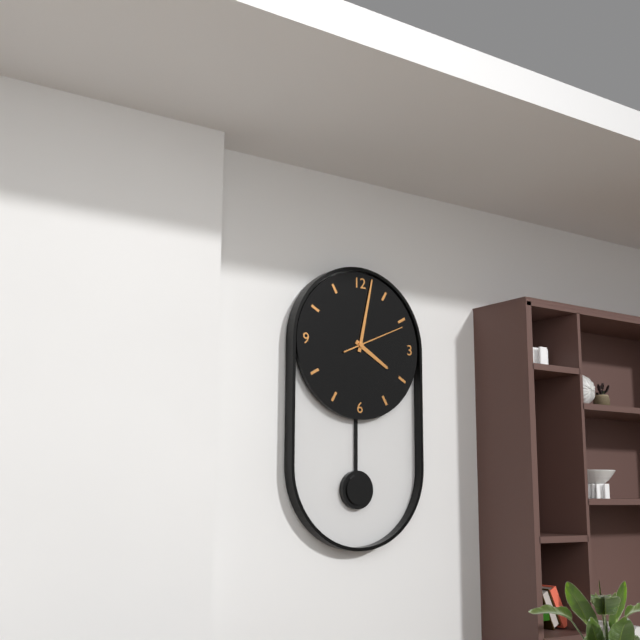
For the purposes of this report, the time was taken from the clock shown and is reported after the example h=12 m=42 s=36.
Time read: h=4 m=2 s=11
